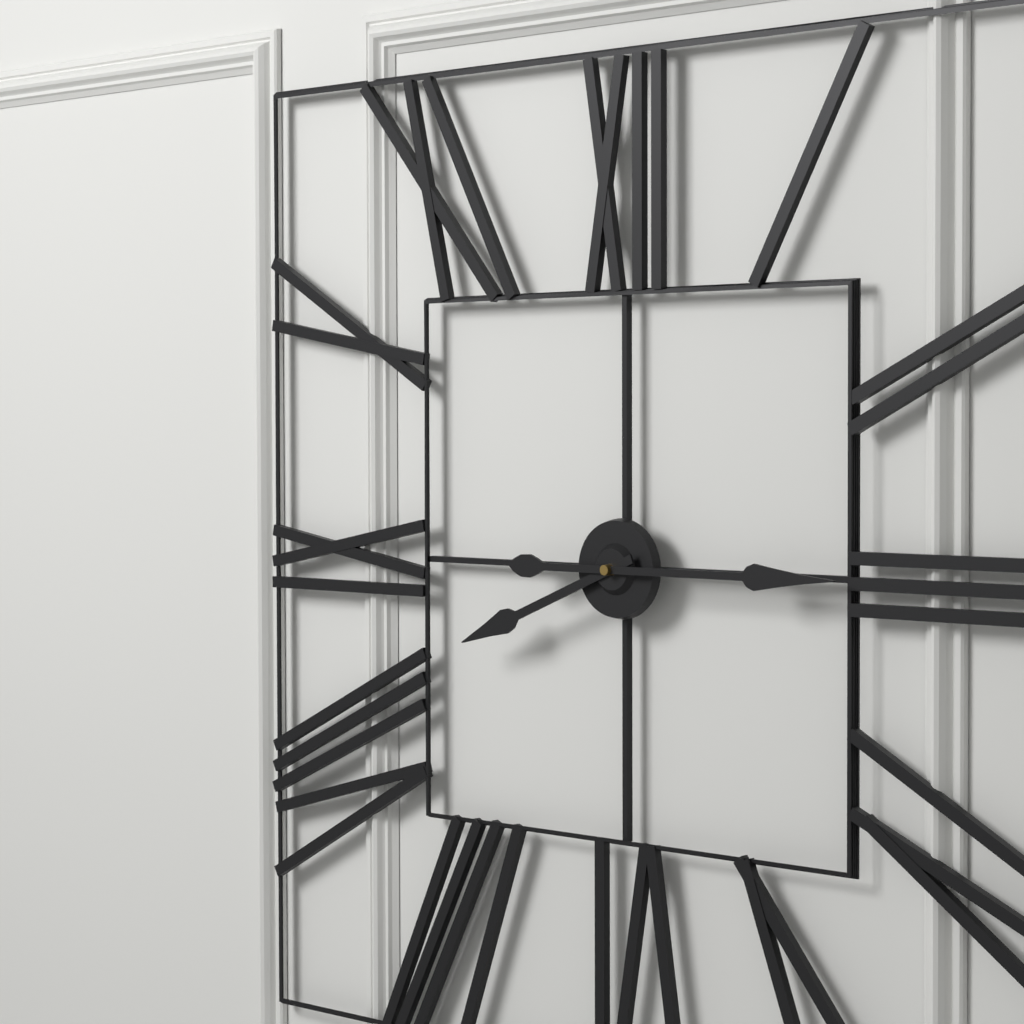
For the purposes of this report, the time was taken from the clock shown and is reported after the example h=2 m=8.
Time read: h=8 m=15
